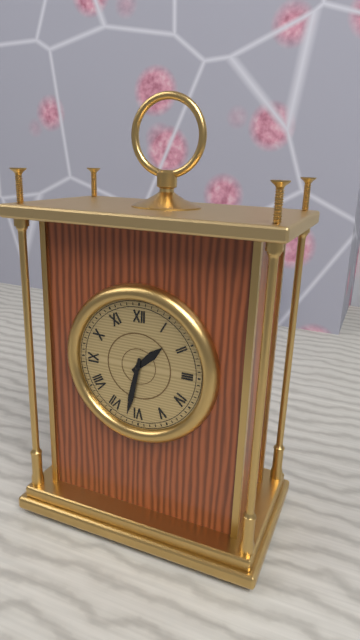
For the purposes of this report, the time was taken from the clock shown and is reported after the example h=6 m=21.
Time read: h=1 m=32
